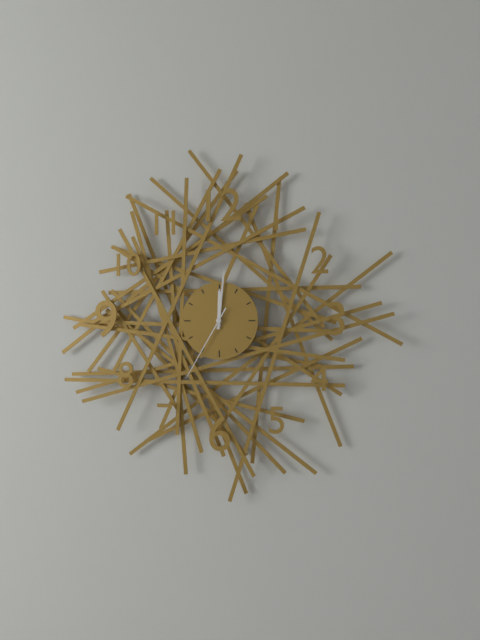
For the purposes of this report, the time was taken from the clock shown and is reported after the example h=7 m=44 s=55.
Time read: h=12 m=1 s=35
